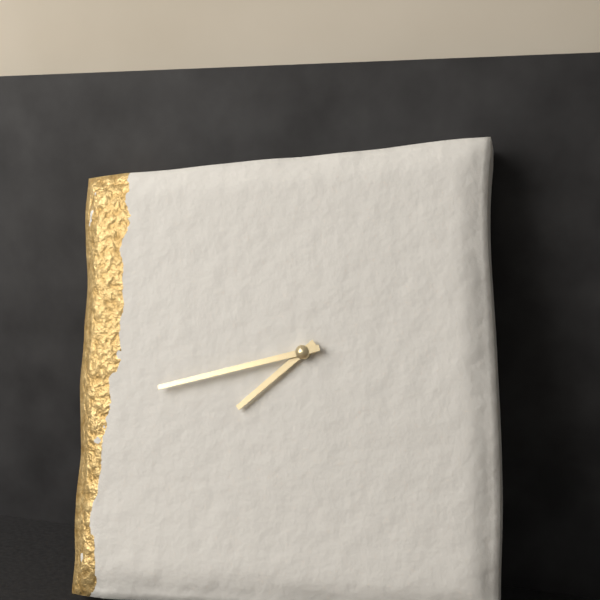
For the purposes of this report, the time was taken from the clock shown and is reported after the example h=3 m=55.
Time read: h=7 m=43
